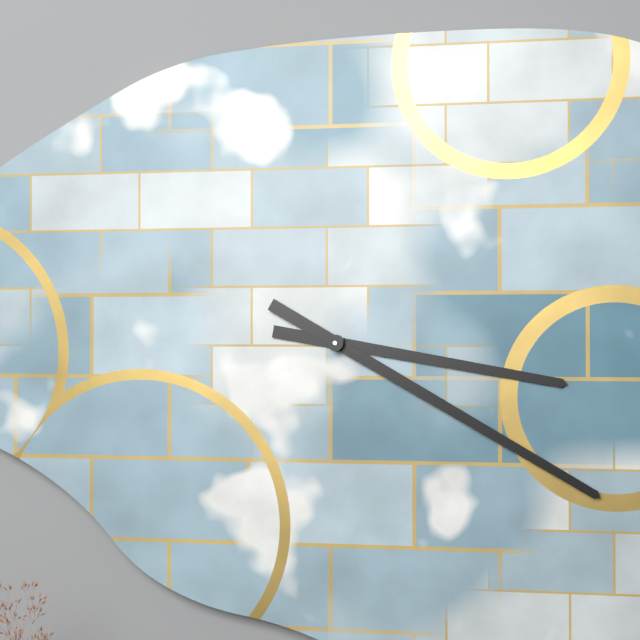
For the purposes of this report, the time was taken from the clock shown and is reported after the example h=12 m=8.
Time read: h=3 m=20
